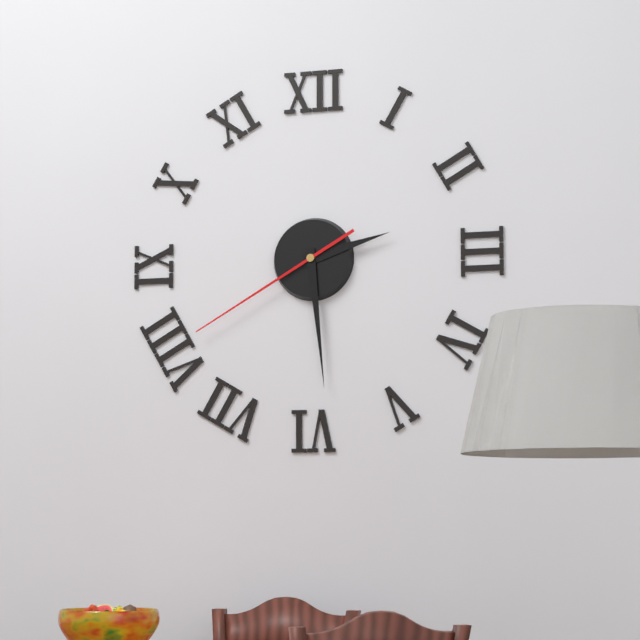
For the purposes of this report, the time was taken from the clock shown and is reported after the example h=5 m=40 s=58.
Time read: h=2 m=29 s=40
